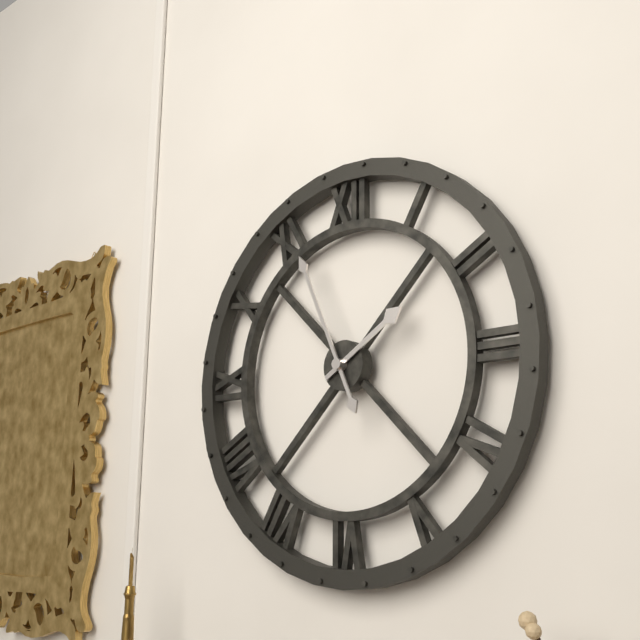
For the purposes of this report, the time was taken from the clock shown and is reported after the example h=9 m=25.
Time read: h=1 m=56
